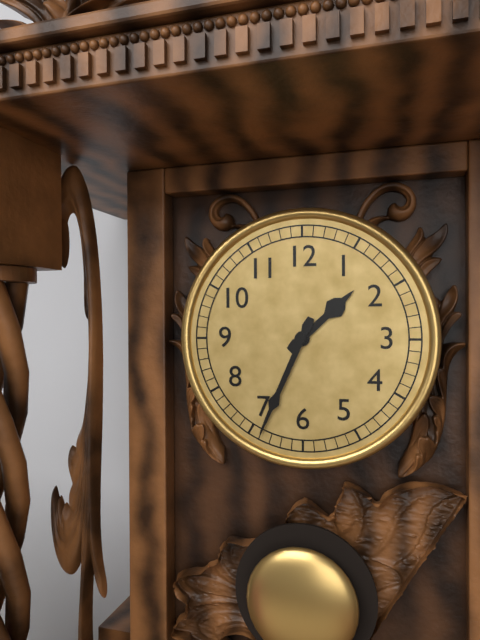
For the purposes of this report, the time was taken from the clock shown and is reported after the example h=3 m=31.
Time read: h=1 m=34
